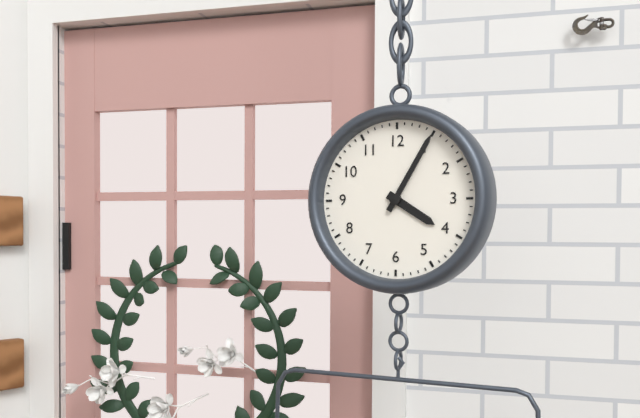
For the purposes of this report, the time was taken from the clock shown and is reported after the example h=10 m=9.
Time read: h=4 m=5
